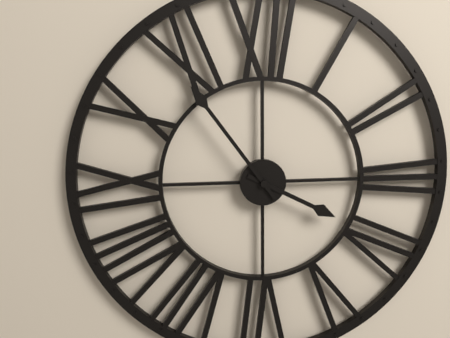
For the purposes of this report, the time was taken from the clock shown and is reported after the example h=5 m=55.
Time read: h=3 m=54
